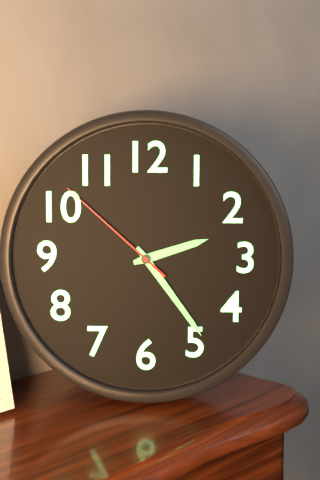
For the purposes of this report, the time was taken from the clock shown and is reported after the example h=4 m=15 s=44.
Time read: h=2 m=24 s=52
